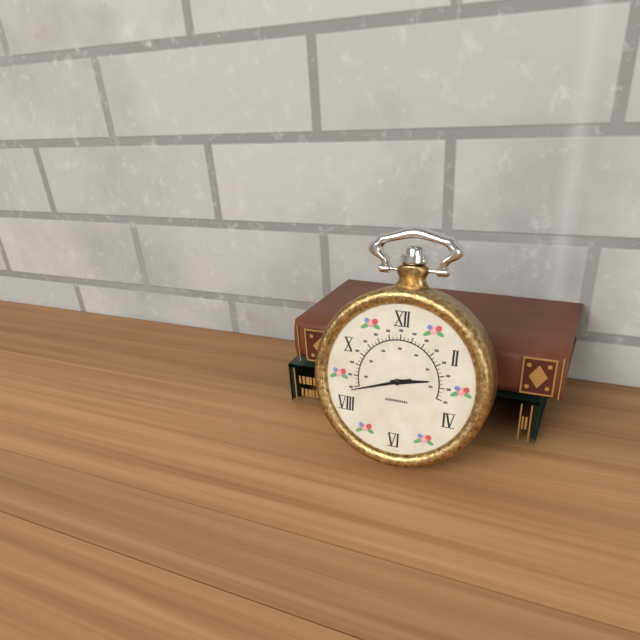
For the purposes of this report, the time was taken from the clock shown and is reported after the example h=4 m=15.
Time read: h=2 m=42
